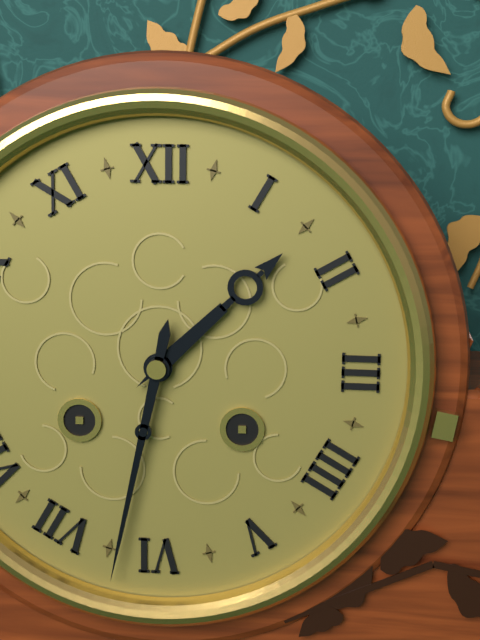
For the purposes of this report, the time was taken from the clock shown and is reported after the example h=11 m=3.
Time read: h=1 m=32
